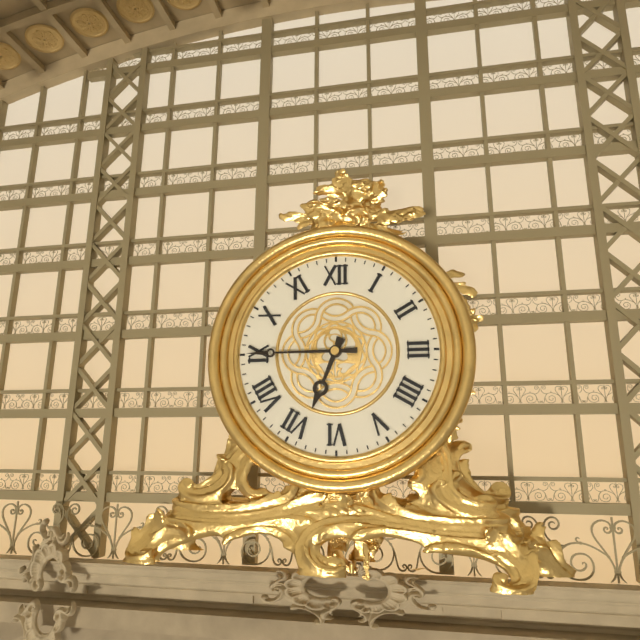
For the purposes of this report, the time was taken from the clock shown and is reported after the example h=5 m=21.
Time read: h=6 m=45
